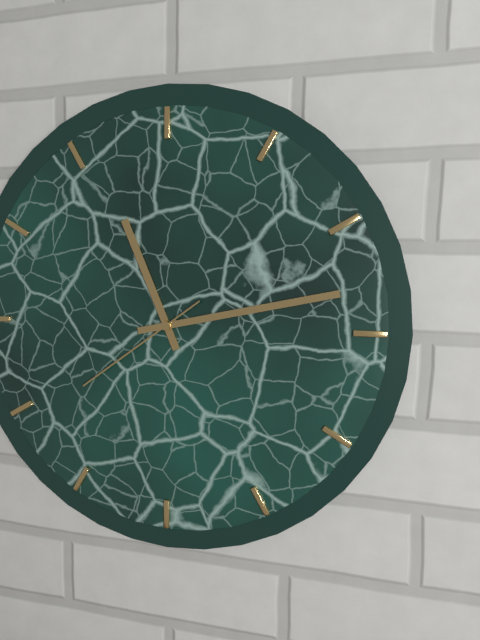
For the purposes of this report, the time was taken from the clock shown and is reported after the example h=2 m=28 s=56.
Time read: h=11 m=13 s=39
